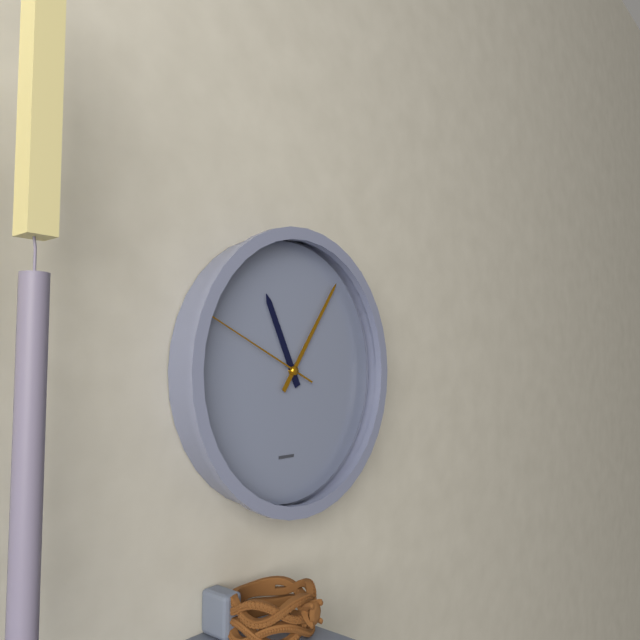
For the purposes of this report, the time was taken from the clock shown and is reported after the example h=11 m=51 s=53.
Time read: h=11 m=6 s=49
